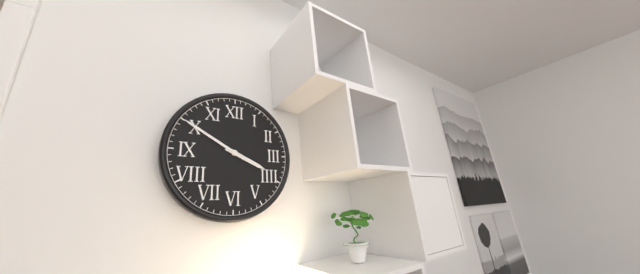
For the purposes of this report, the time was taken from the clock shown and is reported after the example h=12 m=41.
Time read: h=3 m=50
